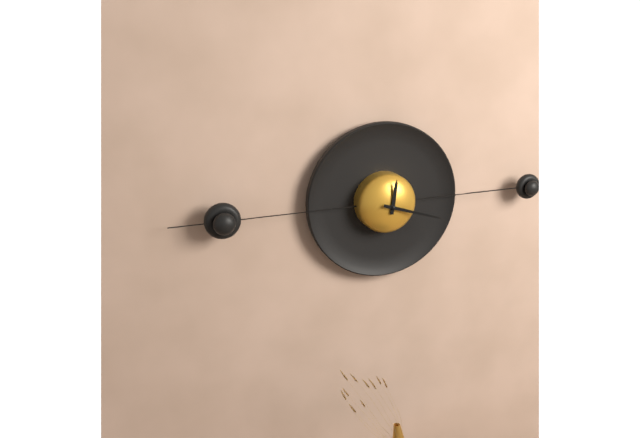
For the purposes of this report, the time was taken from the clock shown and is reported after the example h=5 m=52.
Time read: h=12 m=18
